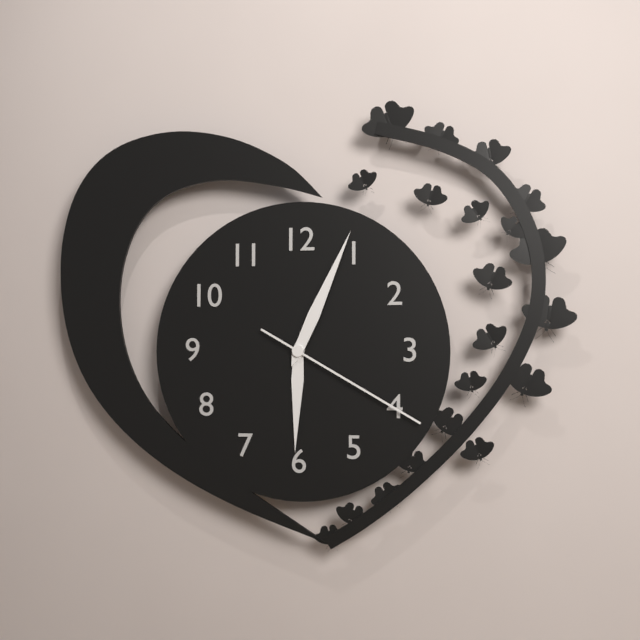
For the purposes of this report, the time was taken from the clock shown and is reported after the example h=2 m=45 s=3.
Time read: h=6 m=4 s=20
